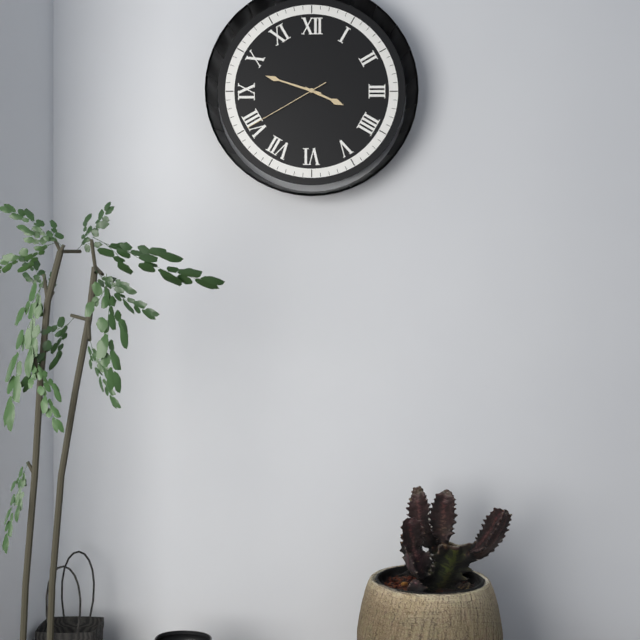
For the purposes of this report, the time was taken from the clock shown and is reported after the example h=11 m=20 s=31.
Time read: h=3 m=48 s=40
